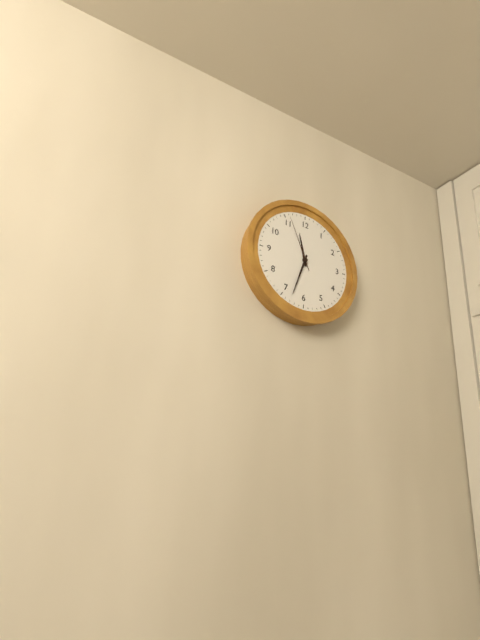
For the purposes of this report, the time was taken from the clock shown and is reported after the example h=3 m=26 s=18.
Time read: h=11 m=33 s=56
